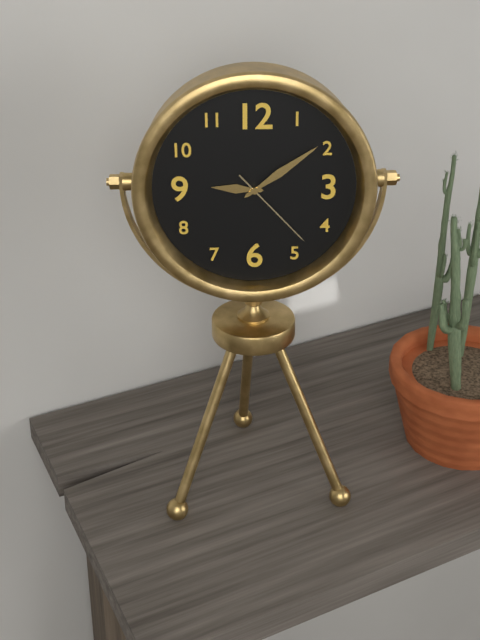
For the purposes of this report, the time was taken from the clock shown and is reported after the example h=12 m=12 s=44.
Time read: h=9 m=9 s=23
